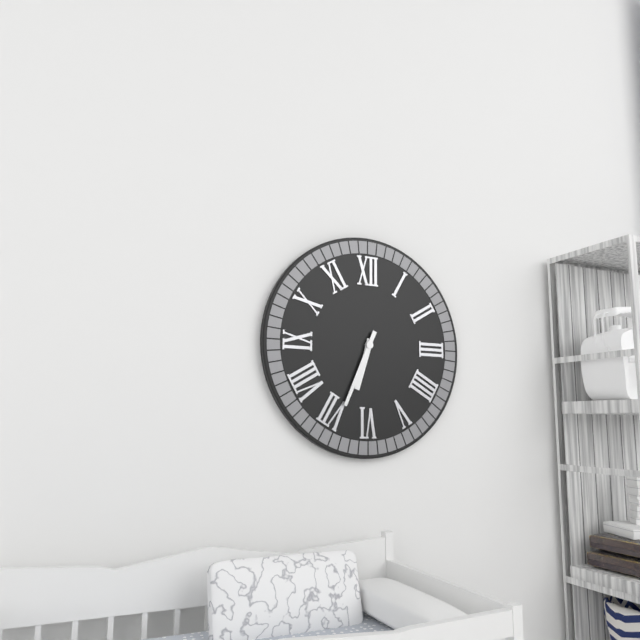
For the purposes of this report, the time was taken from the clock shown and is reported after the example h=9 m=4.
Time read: h=6 m=34
